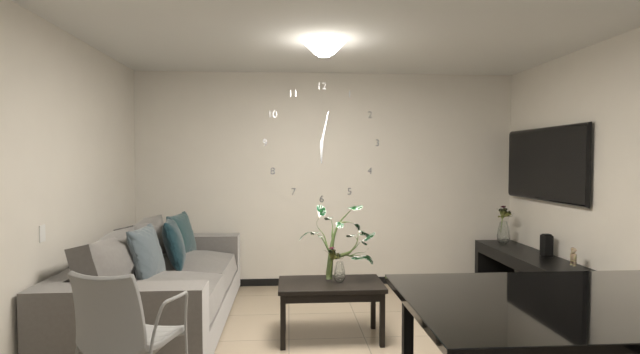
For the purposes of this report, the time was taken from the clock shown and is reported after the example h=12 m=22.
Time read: h=6 m=2
